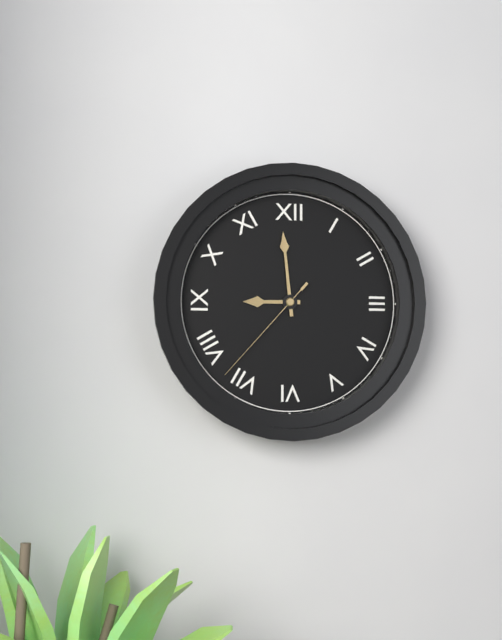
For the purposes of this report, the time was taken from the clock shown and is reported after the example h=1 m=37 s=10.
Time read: h=8 m=59 s=37
